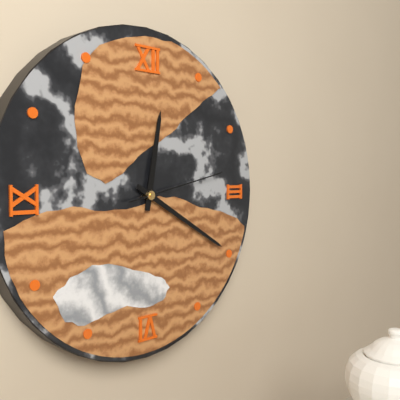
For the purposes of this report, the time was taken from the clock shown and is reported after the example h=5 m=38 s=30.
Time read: h=12 m=20 s=13
